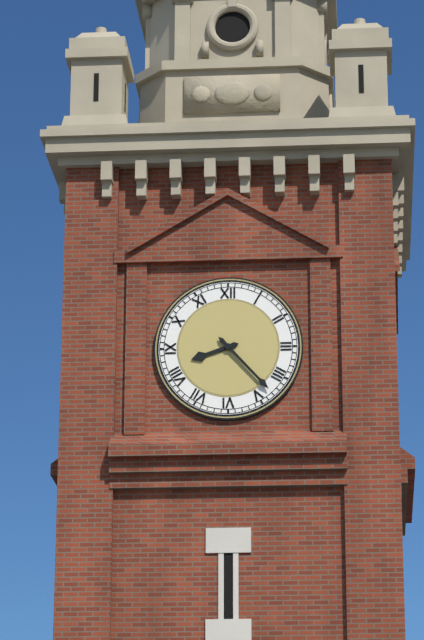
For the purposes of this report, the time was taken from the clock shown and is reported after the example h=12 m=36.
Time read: h=8 m=23
